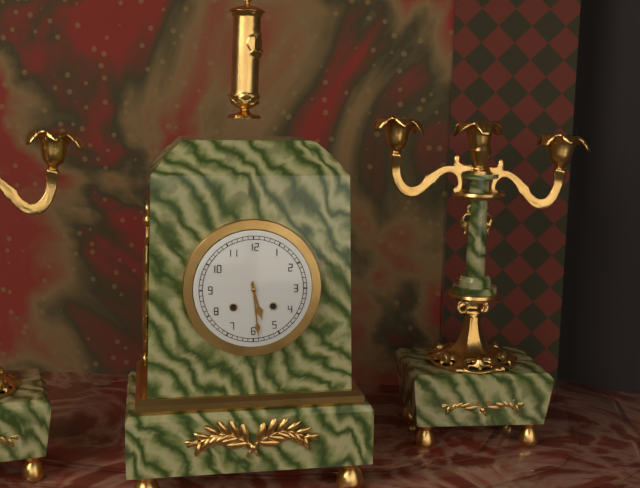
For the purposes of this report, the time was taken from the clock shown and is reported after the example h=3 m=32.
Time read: h=5 m=29
